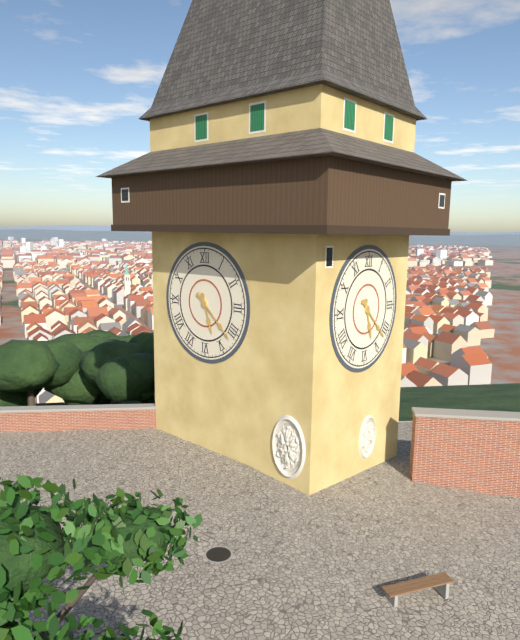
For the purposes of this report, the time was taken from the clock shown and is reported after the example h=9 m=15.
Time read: h=5 m=22
